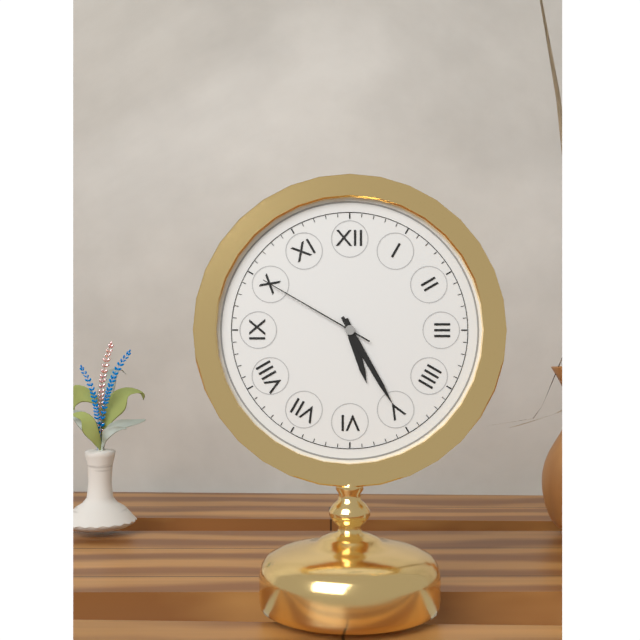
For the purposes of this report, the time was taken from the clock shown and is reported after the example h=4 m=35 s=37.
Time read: h=5 m=25 s=50
